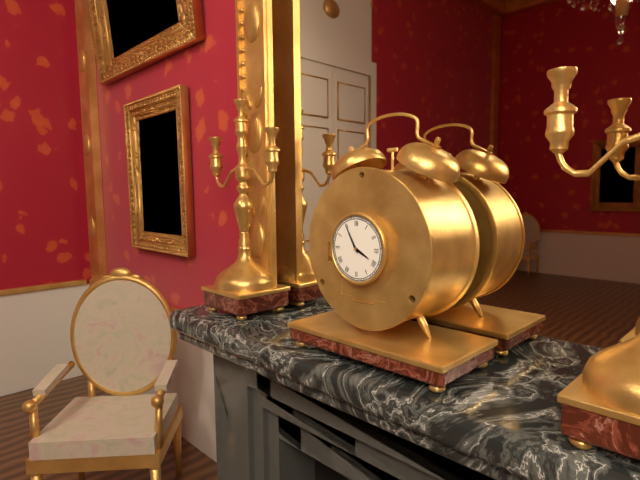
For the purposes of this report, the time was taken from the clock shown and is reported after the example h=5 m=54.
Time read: h=3 m=55
